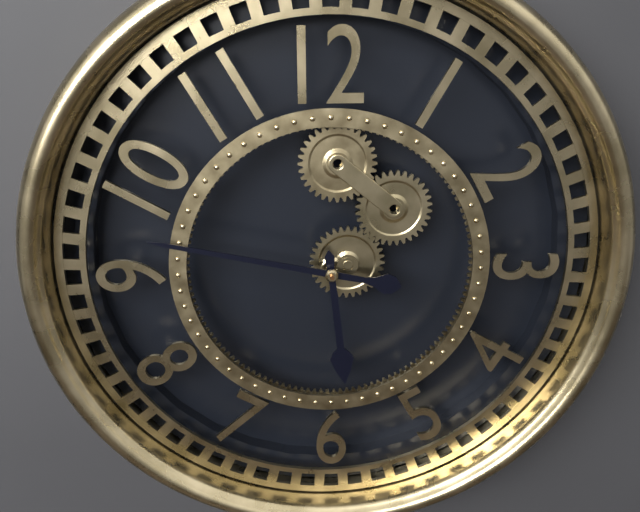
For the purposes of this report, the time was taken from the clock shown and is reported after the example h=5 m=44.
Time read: h=5 m=47
